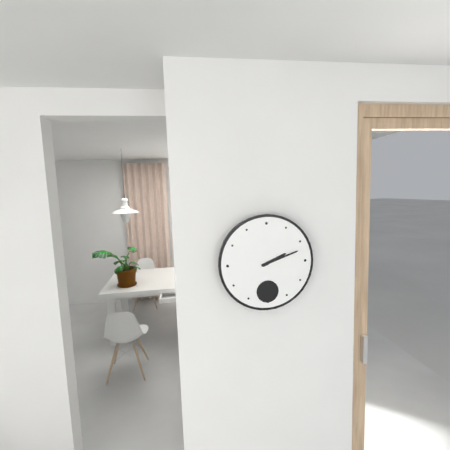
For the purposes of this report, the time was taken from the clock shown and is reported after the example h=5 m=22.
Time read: h=2 m=12
